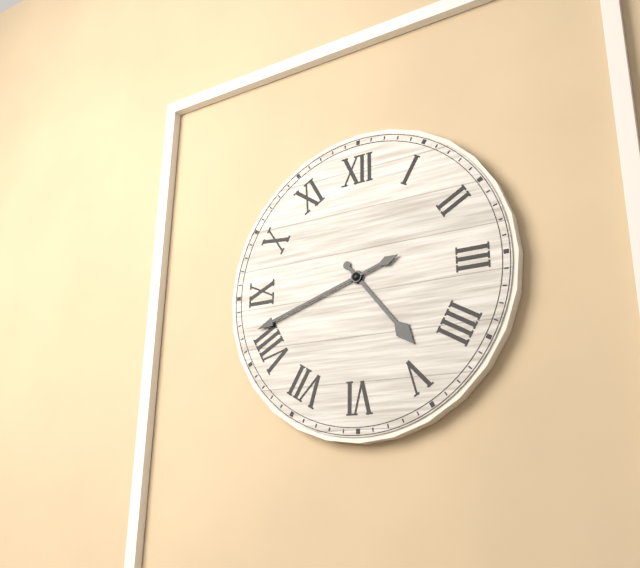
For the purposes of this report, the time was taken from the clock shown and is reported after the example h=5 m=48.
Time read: h=4 m=42
